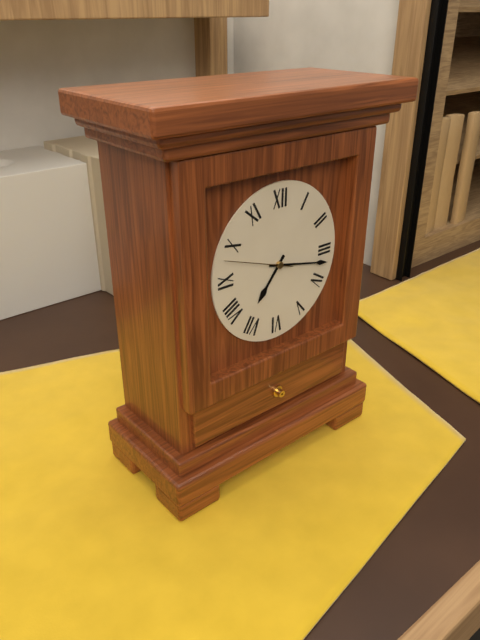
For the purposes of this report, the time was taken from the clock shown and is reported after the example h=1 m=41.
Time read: h=7 m=17
